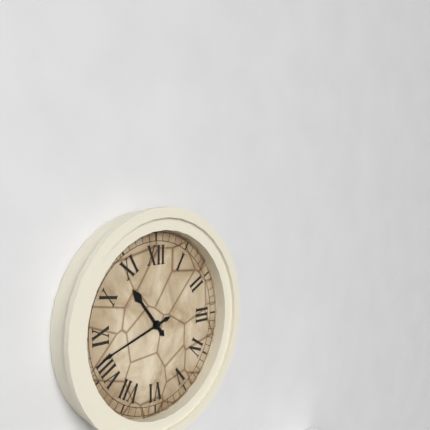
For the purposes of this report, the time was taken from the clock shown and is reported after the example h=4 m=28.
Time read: h=10 m=42
